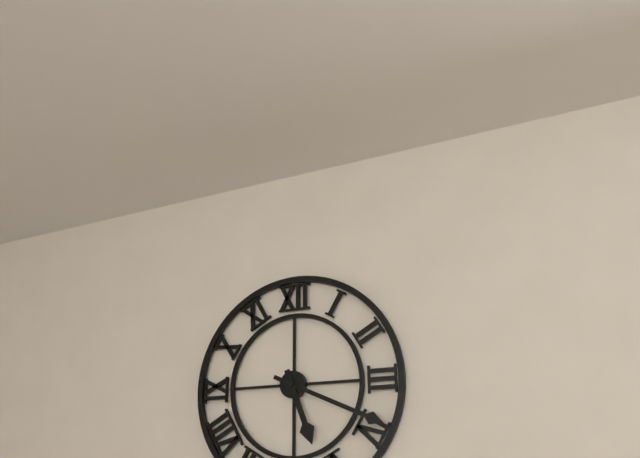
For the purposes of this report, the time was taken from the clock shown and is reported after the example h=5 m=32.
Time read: h=5 m=19
